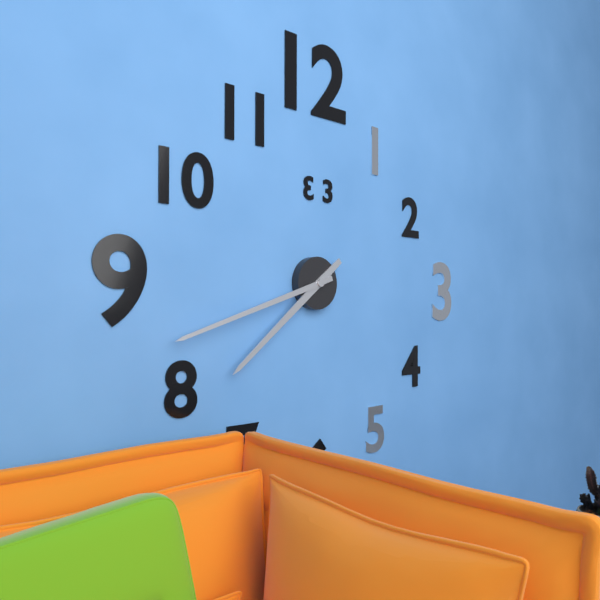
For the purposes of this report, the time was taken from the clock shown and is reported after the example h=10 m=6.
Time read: h=7 m=42
